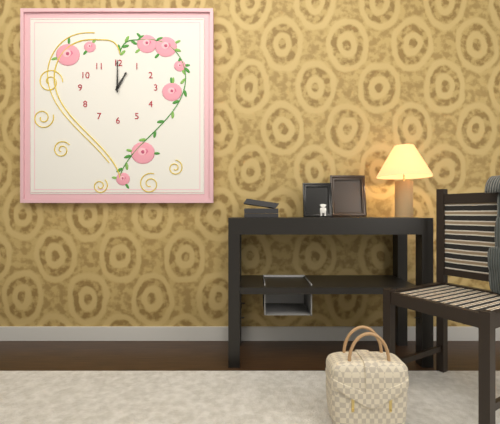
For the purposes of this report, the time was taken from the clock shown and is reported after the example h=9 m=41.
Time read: h=1 m=0
